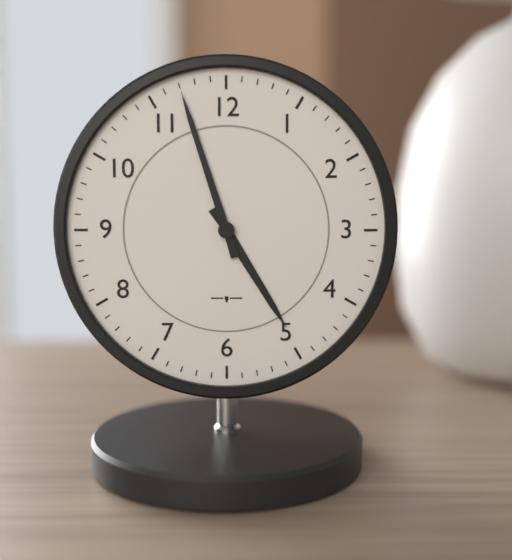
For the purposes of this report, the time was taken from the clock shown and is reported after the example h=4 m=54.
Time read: h=4 m=57
